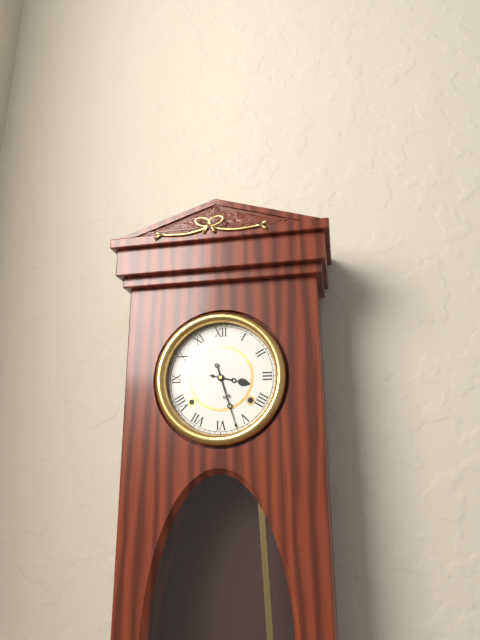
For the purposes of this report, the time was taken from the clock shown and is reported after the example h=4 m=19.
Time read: h=3 m=27
